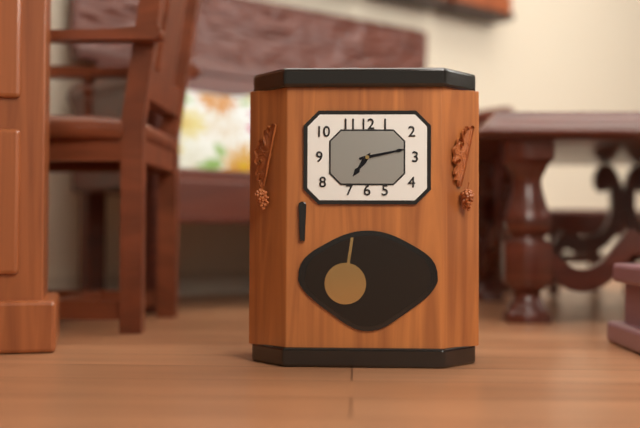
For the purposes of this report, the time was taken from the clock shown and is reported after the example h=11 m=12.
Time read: h=7 m=13
